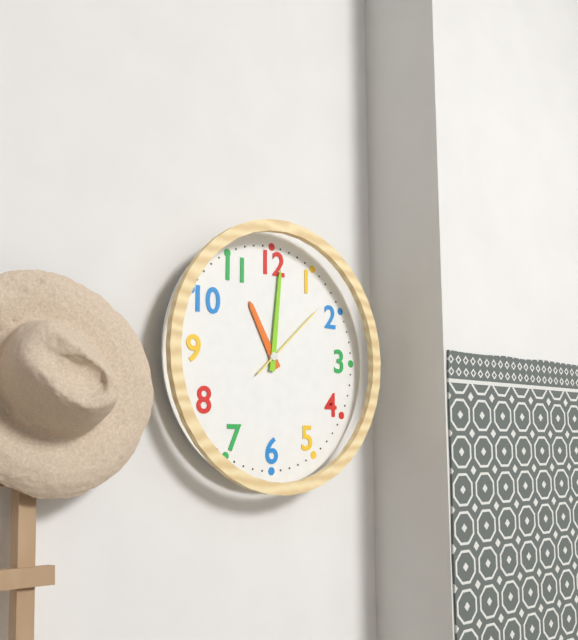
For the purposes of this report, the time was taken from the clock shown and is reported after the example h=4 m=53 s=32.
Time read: h=11 m=1 s=8
